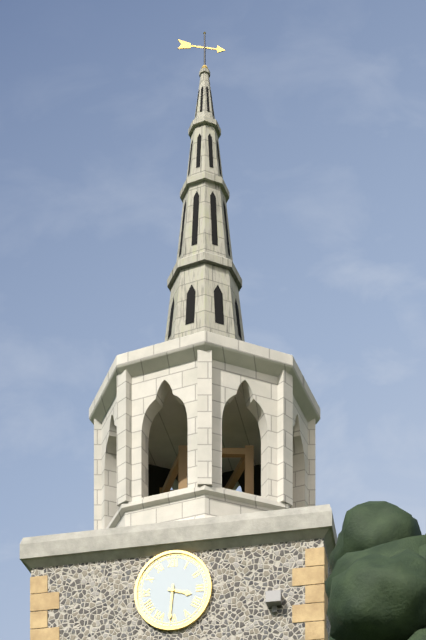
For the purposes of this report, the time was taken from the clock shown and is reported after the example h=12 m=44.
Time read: h=3 m=31
